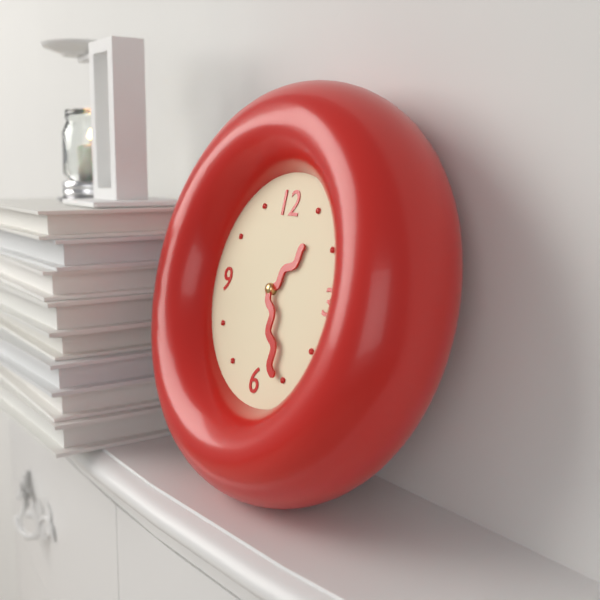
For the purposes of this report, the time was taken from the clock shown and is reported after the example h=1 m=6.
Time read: h=1 m=26
